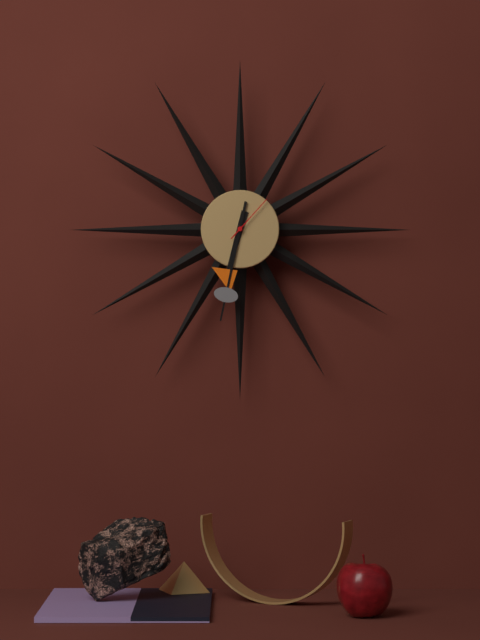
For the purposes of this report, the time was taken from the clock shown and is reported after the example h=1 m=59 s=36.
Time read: h=6 m=32 s=7
